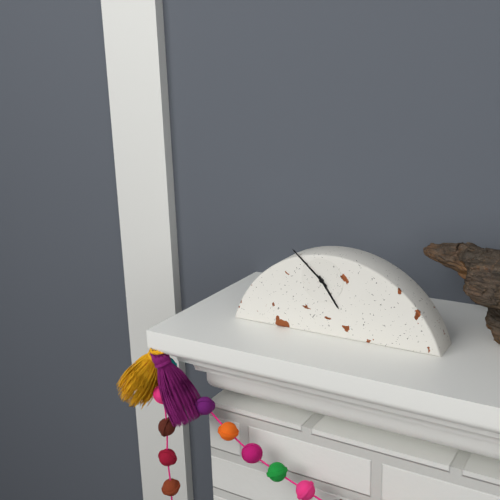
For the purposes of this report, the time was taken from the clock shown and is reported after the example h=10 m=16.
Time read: h=4 m=52
